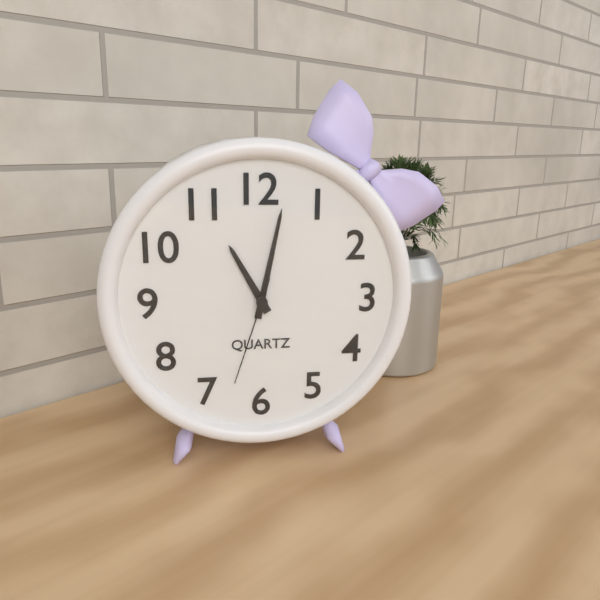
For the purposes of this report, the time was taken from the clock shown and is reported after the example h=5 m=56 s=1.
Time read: h=11 m=2 s=33
